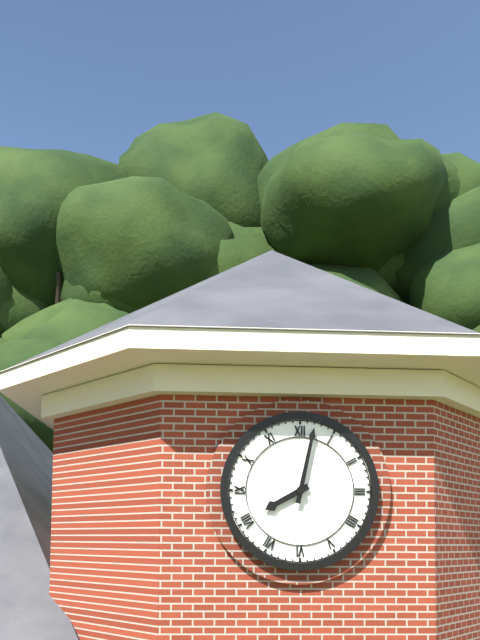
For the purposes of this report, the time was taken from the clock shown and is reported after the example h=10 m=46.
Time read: h=8 m=2
